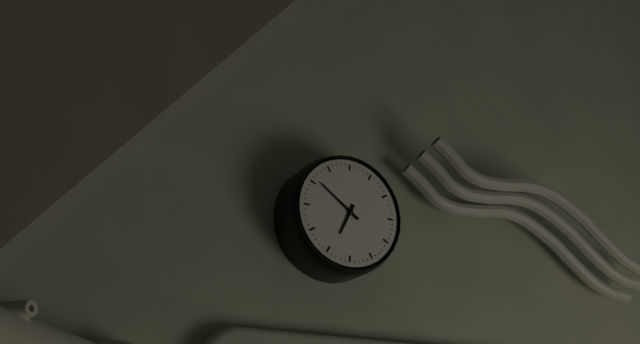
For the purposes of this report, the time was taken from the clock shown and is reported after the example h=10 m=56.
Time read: h=6 m=51
